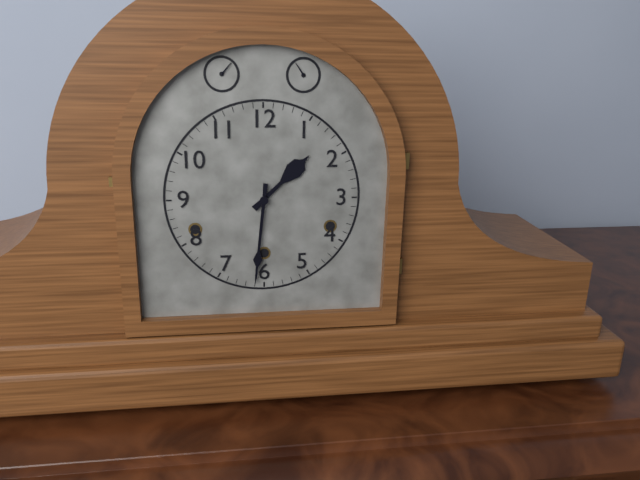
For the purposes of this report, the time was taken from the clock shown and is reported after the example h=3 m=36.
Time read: h=1 m=31
